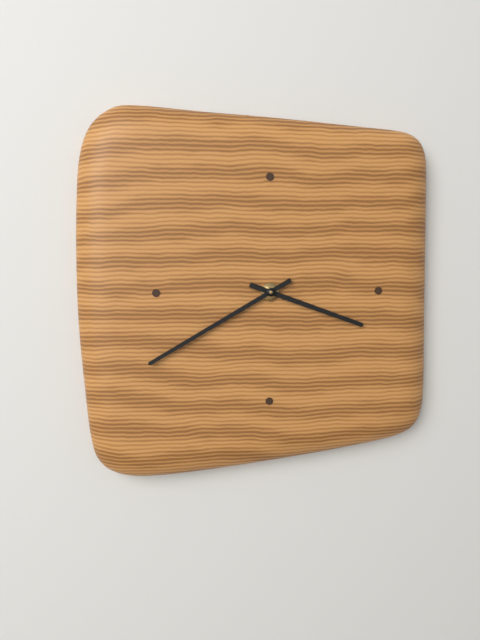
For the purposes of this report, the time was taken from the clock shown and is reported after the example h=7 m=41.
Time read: h=3 m=40
